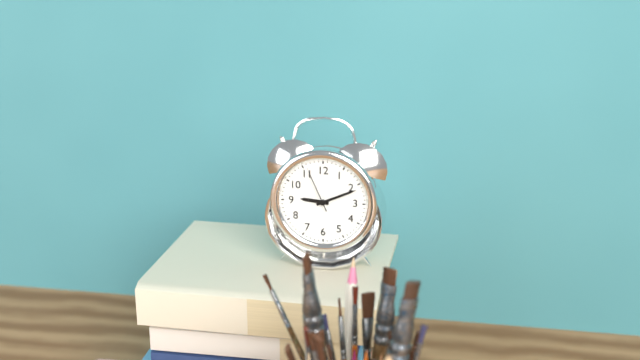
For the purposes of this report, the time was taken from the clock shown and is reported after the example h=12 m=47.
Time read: h=9 m=11
